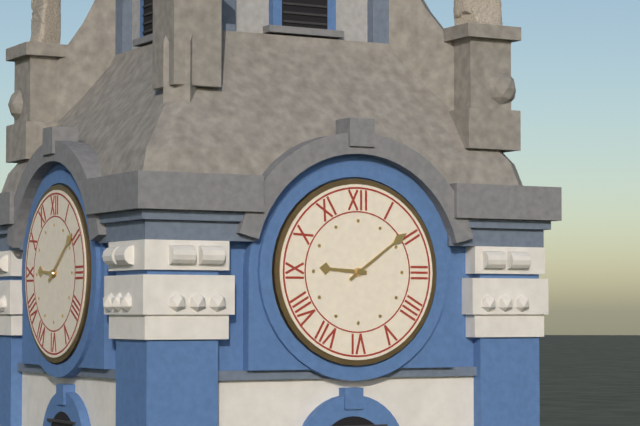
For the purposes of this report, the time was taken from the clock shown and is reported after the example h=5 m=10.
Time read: h=9 m=9
